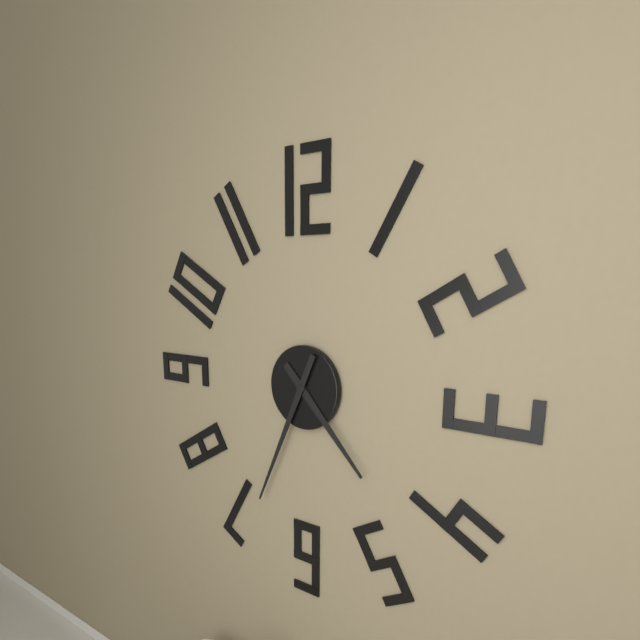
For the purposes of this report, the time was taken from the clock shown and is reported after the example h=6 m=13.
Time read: h=4 m=34
